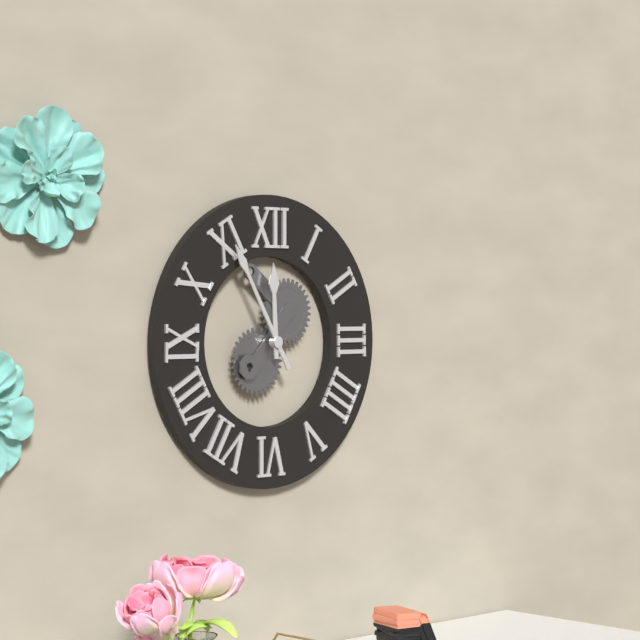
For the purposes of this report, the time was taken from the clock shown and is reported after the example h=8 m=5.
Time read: h=11 m=55
